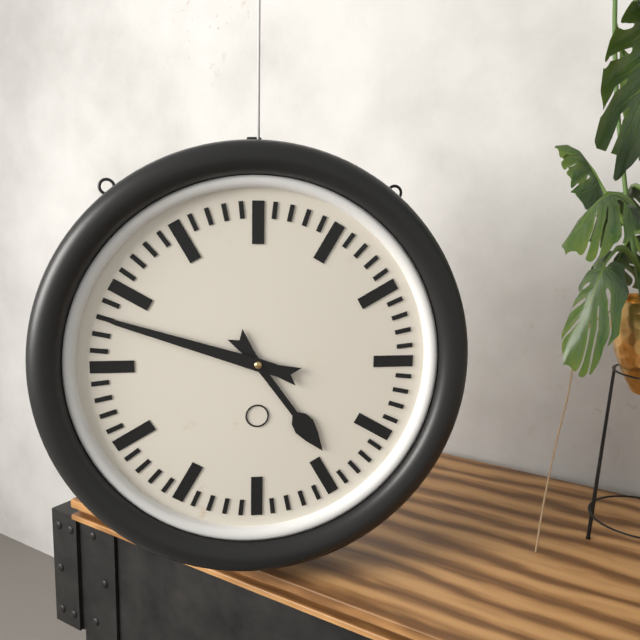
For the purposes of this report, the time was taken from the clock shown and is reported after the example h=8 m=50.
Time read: h=4 m=48
